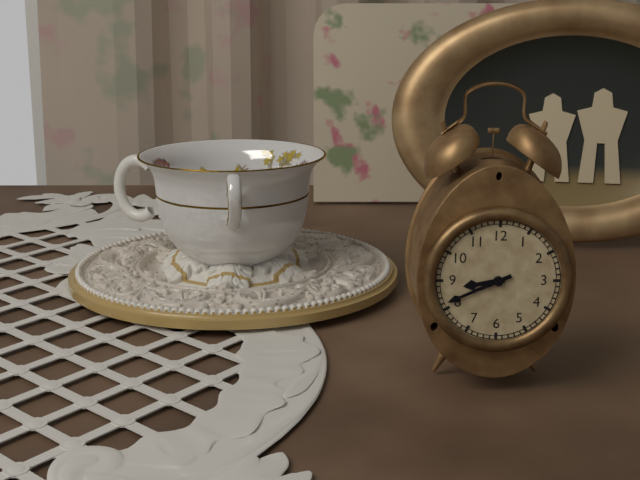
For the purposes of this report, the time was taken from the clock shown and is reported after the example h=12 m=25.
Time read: h=8 m=41
